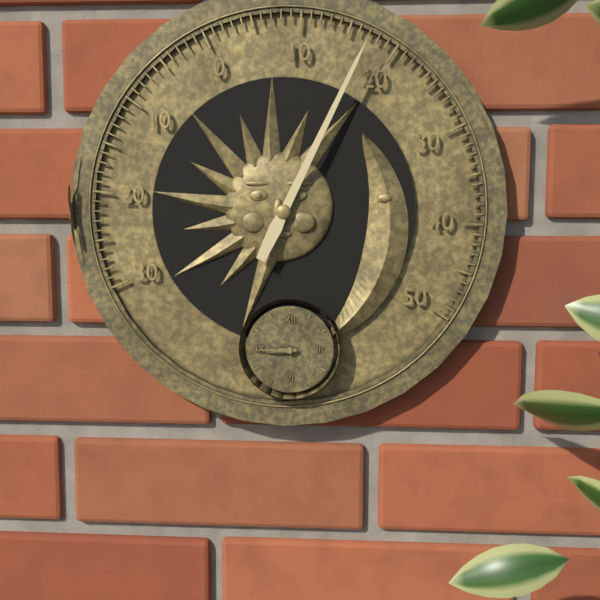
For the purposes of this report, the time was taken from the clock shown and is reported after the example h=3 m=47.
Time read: h=8 m=45
